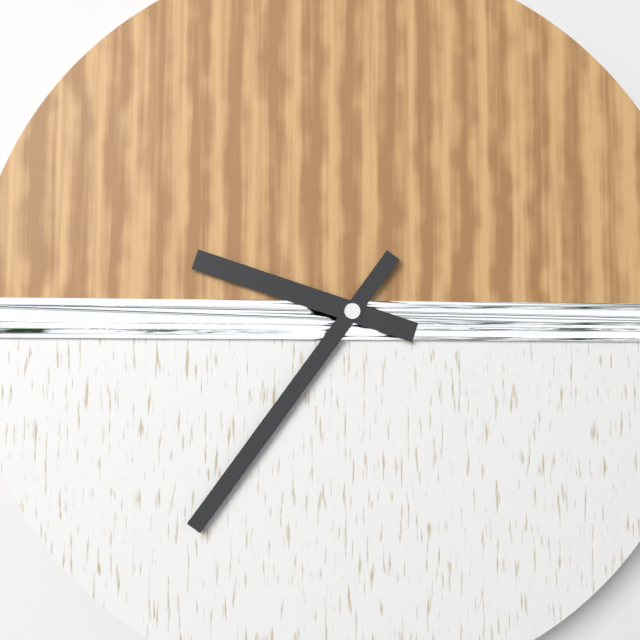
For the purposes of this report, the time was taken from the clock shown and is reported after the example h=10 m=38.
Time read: h=9 m=36
